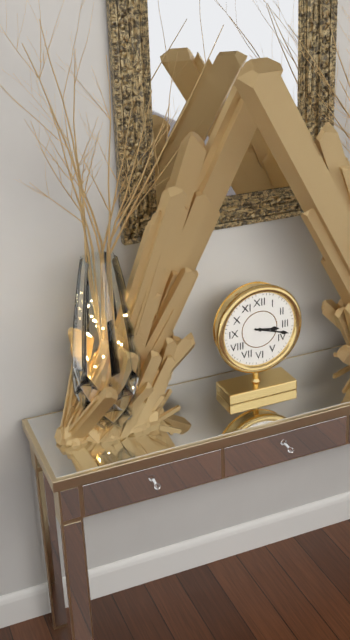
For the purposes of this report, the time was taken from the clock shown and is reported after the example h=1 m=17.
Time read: h=3 m=18
